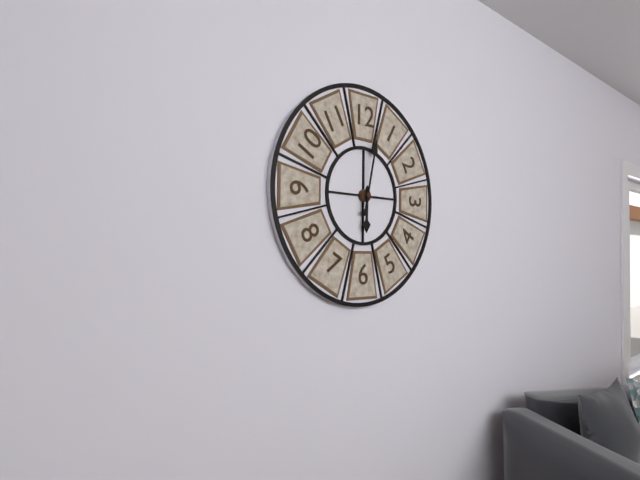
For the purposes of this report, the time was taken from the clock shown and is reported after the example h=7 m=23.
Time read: h=6 m=2
